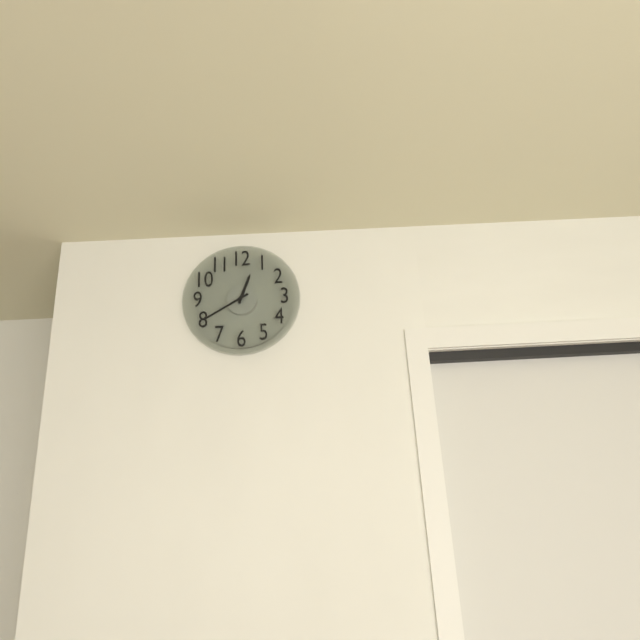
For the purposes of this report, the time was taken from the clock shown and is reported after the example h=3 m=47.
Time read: h=12 m=40
